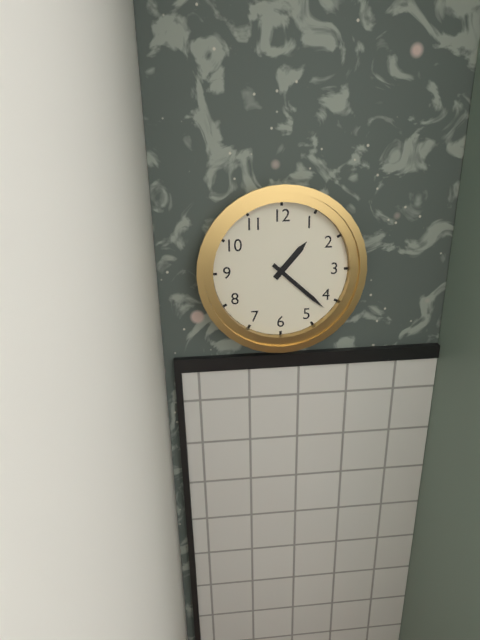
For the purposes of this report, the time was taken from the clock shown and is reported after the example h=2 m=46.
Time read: h=1 m=22
